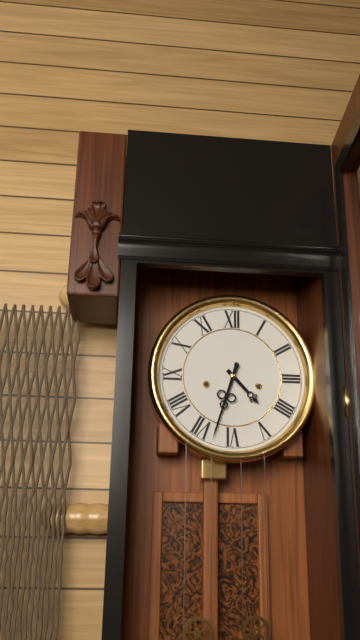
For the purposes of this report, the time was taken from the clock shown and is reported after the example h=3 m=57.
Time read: h=4 m=33
